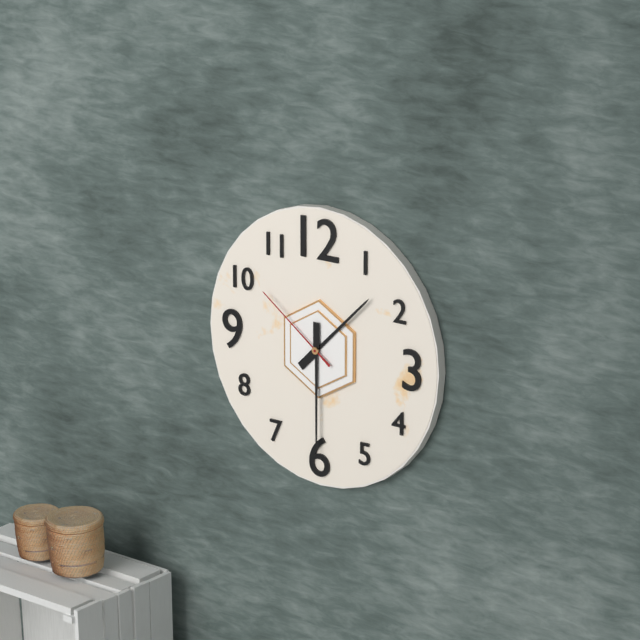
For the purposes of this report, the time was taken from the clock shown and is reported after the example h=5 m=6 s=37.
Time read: h=1 m=30 s=51
